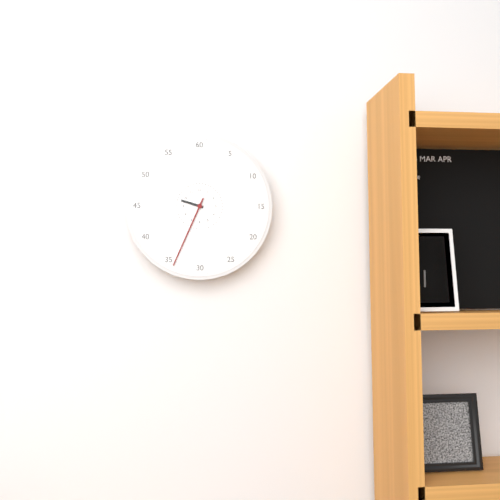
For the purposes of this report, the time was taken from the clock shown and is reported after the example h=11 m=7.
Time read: h=9 m=34
